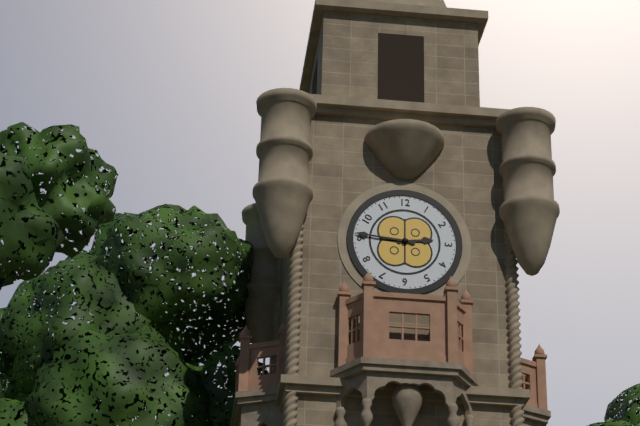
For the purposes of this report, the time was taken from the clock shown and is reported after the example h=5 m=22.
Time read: h=2 m=46
